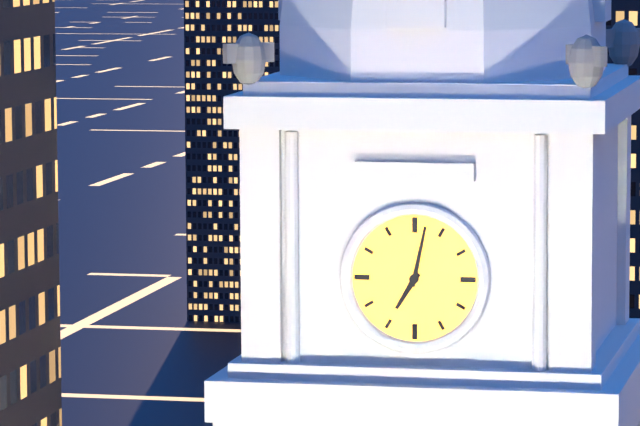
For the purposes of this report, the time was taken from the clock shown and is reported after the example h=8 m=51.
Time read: h=7 m=2
